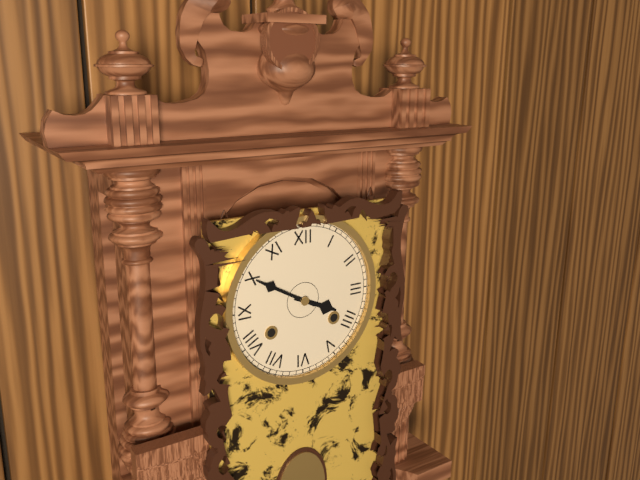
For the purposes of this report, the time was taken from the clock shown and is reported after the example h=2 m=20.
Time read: h=3 m=50
